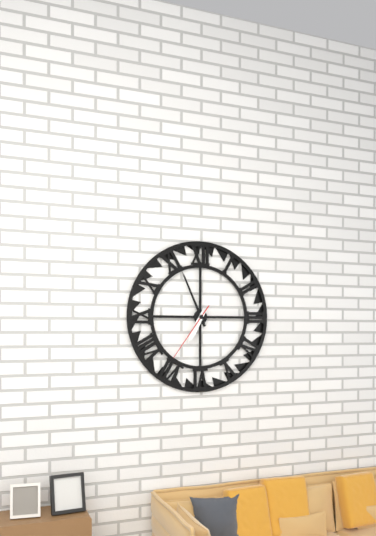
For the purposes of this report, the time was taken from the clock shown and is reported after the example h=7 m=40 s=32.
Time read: h=6 m=56 s=36
